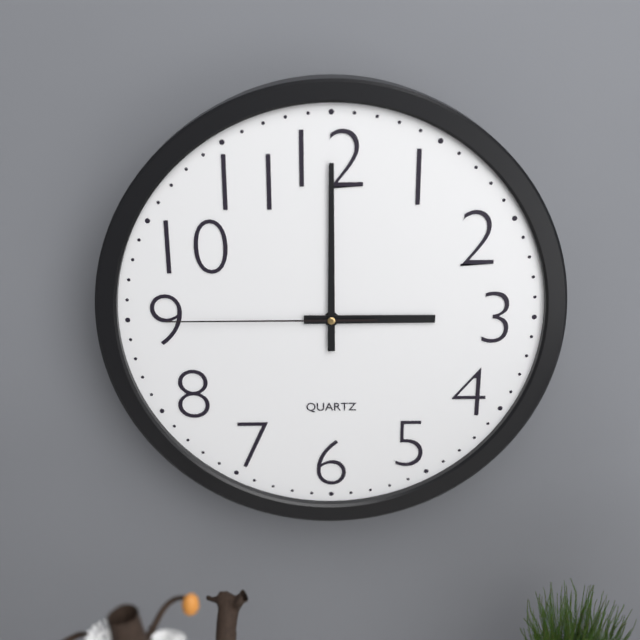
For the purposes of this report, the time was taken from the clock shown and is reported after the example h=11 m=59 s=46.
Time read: h=3 m=0 s=45
